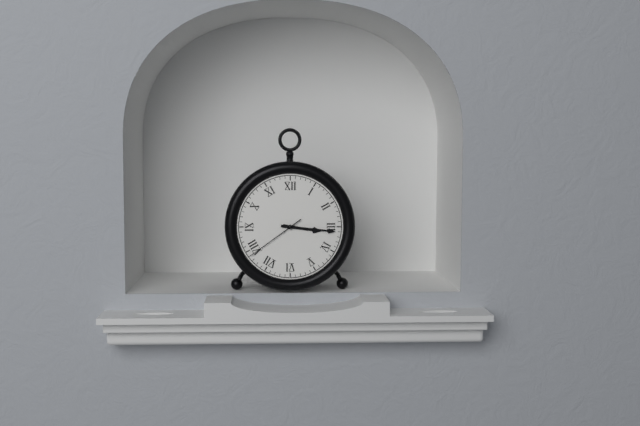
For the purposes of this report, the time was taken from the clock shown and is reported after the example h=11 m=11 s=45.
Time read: h=3 m=16 s=39
